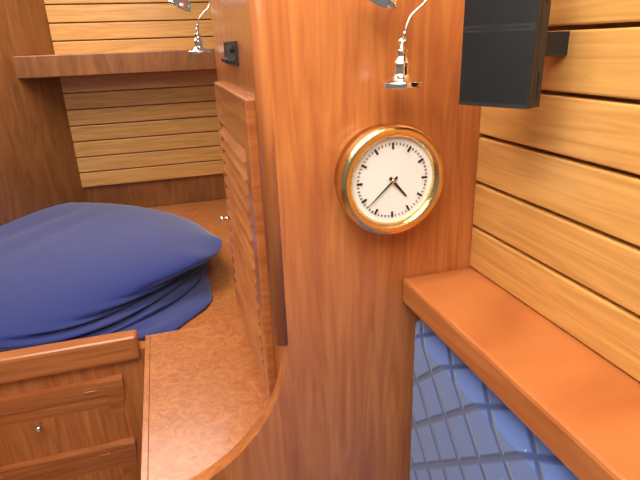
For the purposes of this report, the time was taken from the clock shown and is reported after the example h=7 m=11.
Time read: h=4 m=38
